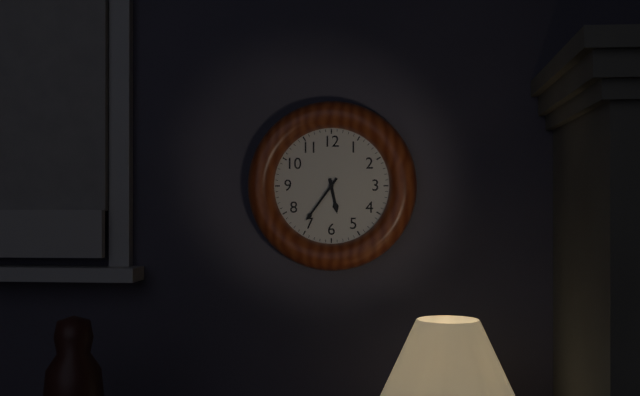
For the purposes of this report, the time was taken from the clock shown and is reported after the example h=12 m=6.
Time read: h=5 m=36
